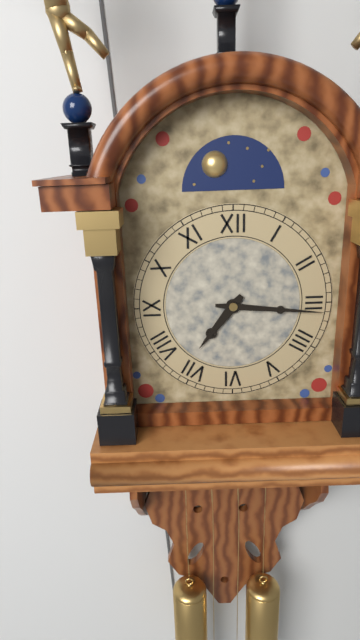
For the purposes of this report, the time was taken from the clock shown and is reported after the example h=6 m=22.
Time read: h=7 m=16
